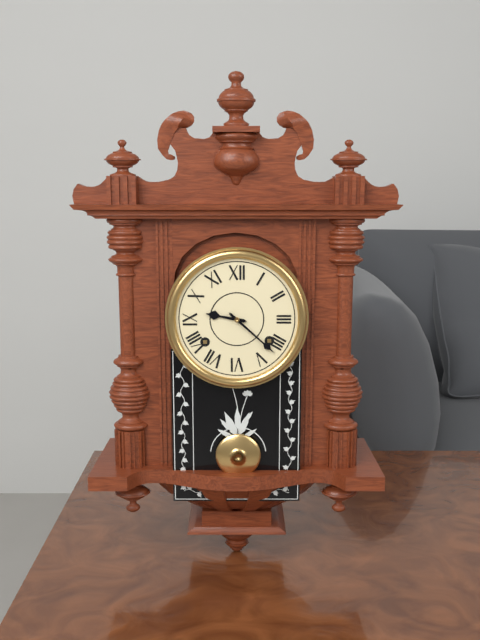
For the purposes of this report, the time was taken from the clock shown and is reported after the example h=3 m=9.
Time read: h=9 m=22
